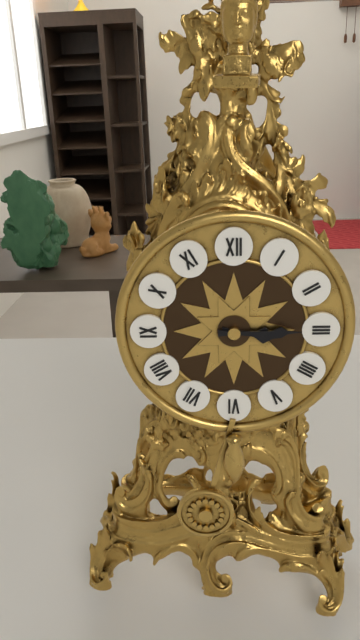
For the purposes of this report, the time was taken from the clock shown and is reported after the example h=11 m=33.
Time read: h=3 m=15
